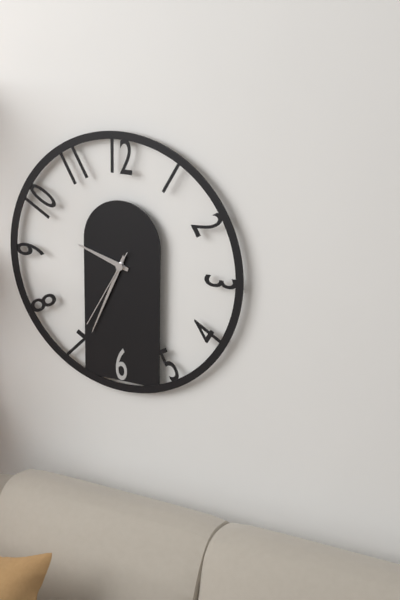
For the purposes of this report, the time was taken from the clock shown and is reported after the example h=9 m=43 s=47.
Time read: h=9 m=34 s=35
